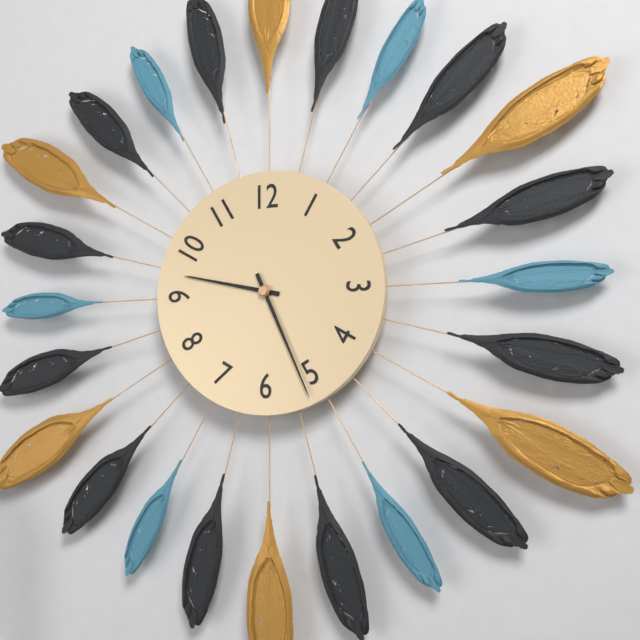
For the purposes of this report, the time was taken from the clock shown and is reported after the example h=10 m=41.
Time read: h=9 m=26
